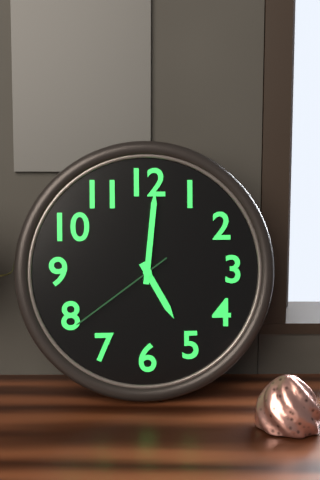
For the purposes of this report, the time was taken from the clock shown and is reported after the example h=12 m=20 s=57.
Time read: h=5 m=1 s=39
